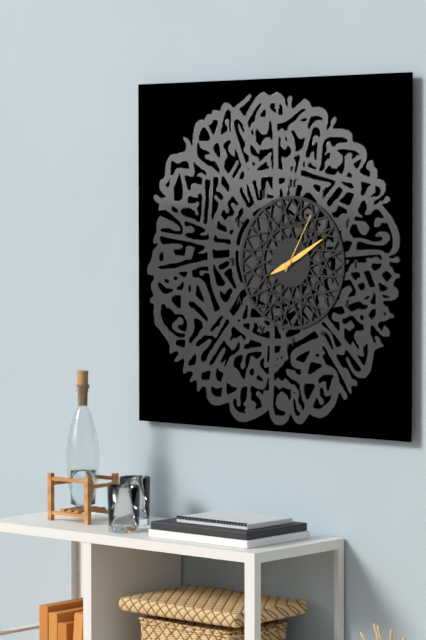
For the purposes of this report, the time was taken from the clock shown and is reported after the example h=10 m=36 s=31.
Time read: h=8 m=10 s=5
